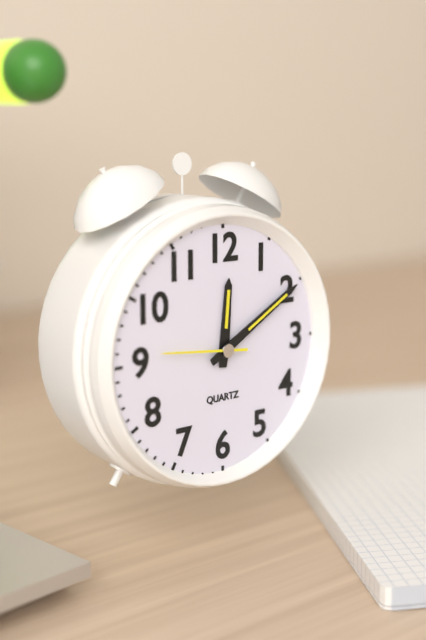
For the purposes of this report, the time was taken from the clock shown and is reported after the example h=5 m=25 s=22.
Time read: h=12 m=10 s=46
